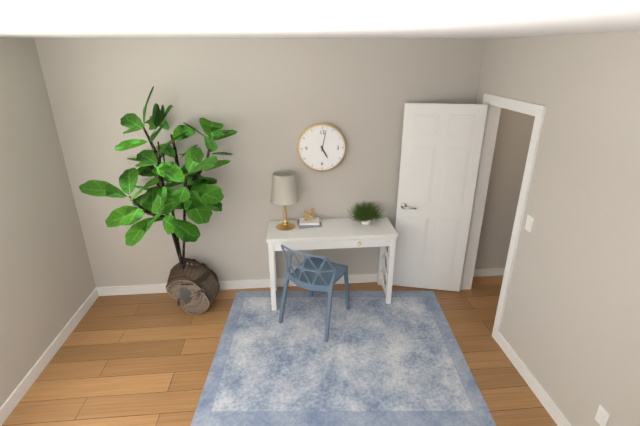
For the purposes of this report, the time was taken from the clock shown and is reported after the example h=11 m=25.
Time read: h=5 m=2
